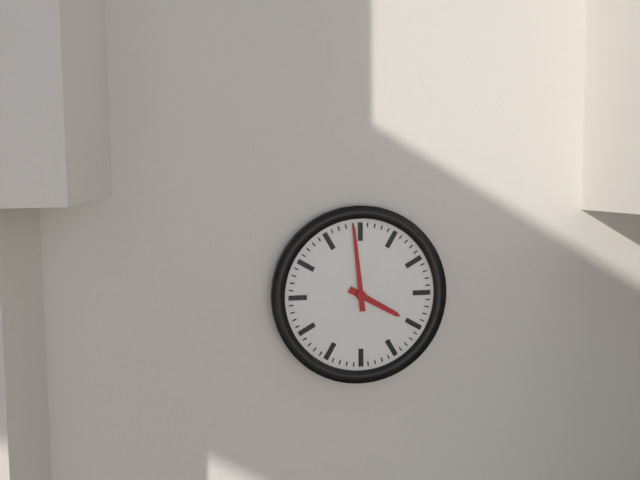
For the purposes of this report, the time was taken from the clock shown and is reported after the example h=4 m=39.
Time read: h=3 m=59
